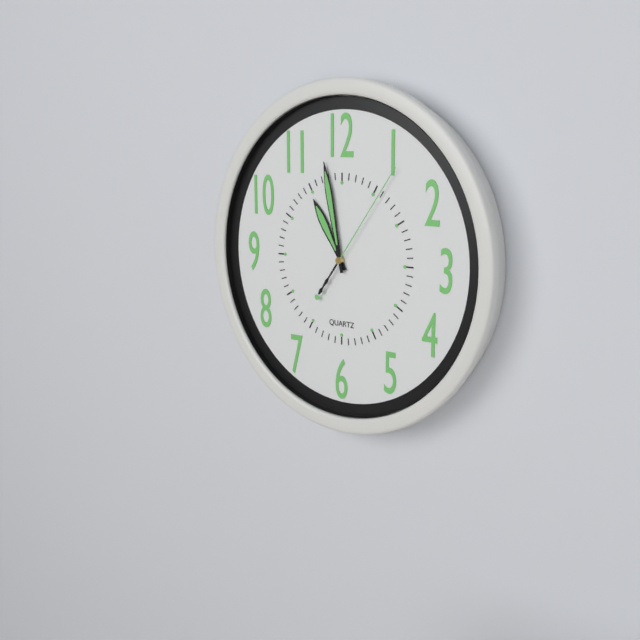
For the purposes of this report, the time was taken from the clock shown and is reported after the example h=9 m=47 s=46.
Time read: h=10 m=58 s=6
